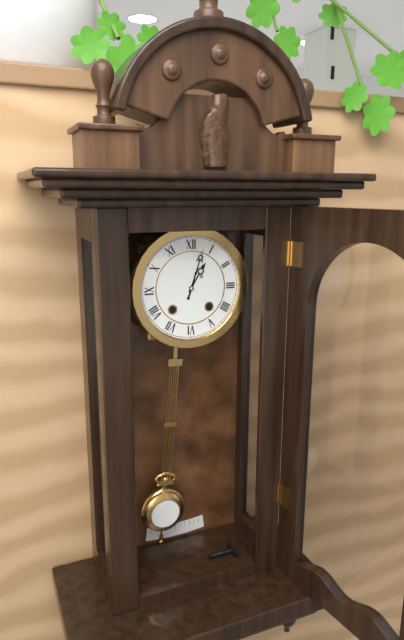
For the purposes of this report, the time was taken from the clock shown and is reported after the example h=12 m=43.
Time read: h=1 m=3
